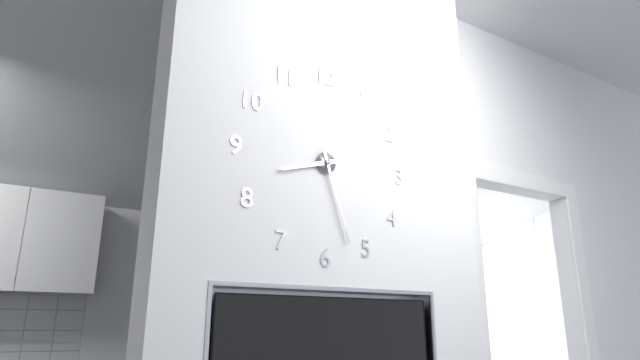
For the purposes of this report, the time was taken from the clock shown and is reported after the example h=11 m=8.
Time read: h=8 m=27
